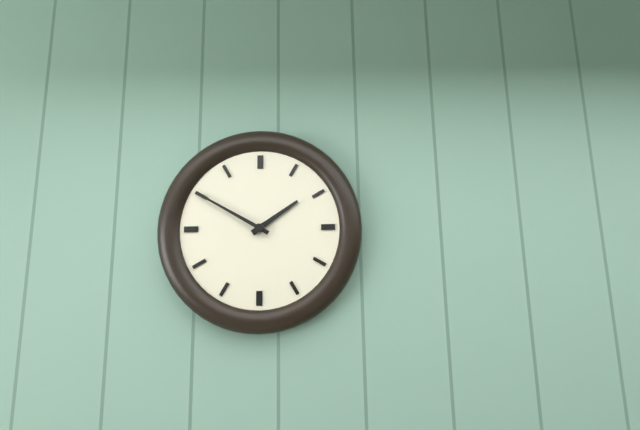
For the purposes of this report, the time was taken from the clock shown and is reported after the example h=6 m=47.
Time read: h=1 m=50
